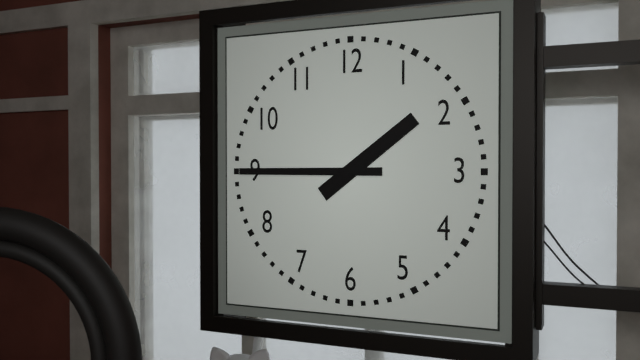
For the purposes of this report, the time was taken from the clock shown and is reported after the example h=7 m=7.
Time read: h=1 m=45
